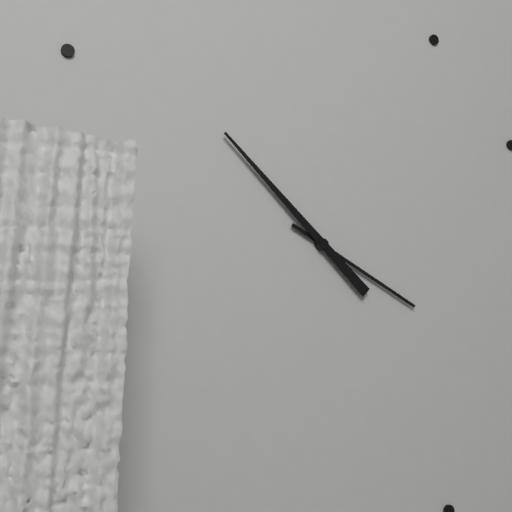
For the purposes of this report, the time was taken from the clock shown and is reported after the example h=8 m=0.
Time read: h=3 m=52
